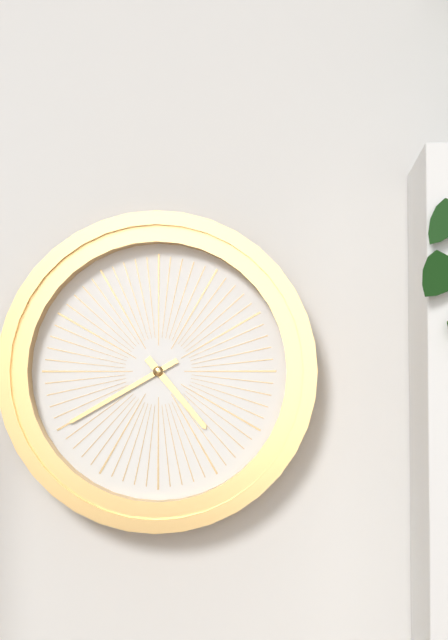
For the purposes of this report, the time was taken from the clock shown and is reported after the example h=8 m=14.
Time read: h=4 m=40
